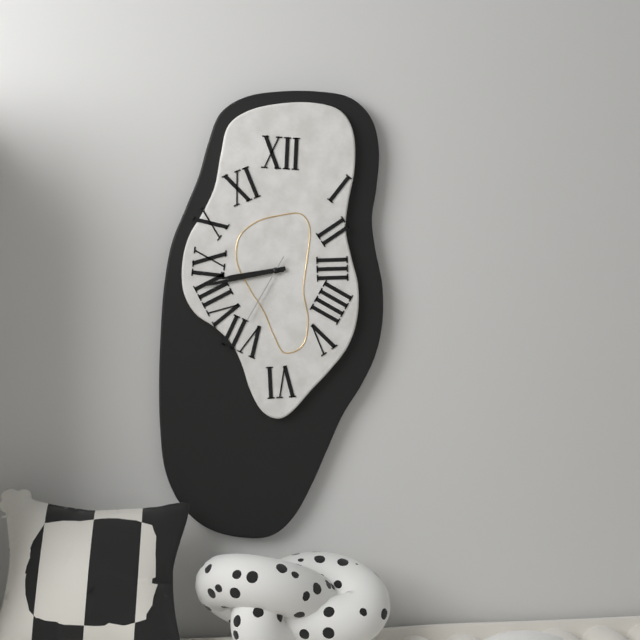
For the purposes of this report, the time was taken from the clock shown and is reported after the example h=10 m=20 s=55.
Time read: h=8 m=43 s=35
